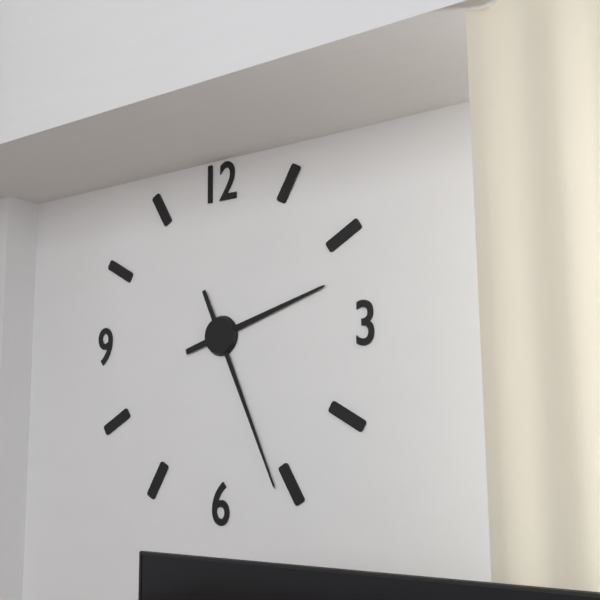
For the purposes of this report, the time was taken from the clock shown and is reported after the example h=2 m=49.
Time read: h=2 m=26
